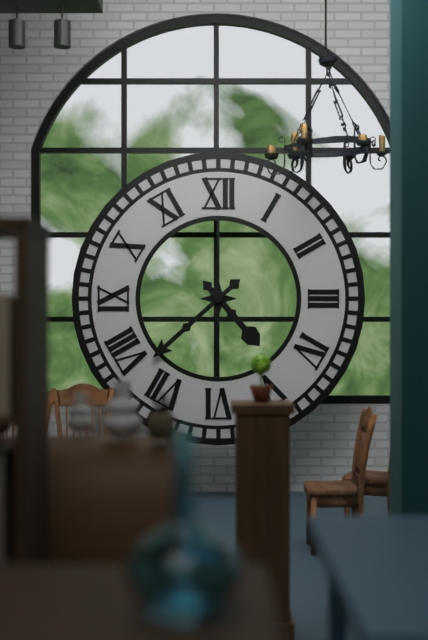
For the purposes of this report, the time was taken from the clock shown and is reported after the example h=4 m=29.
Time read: h=4 m=38
